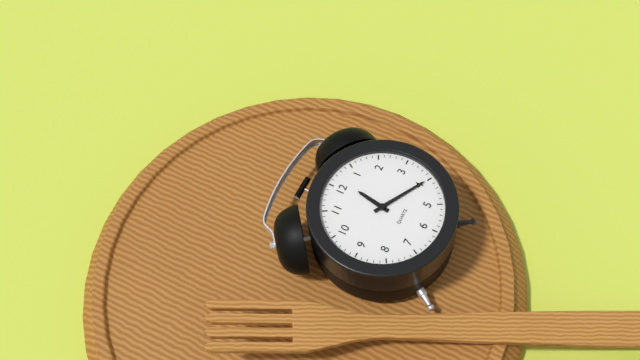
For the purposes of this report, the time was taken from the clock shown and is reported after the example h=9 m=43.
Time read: h=12 m=20
